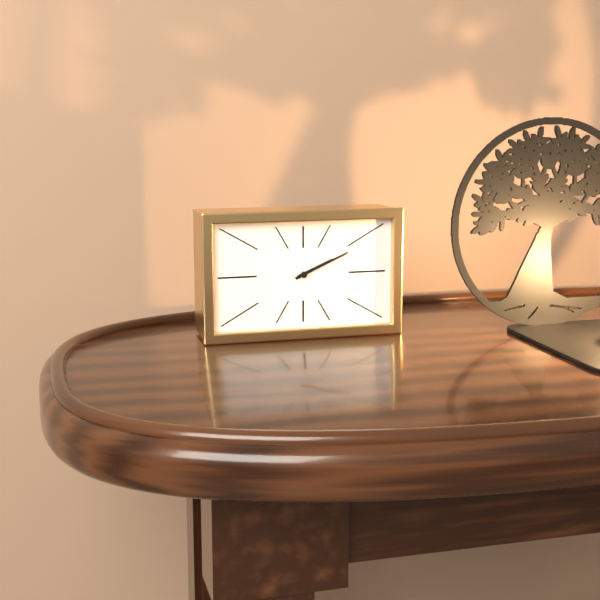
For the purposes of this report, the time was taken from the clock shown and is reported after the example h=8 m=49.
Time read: h=2 m=11
